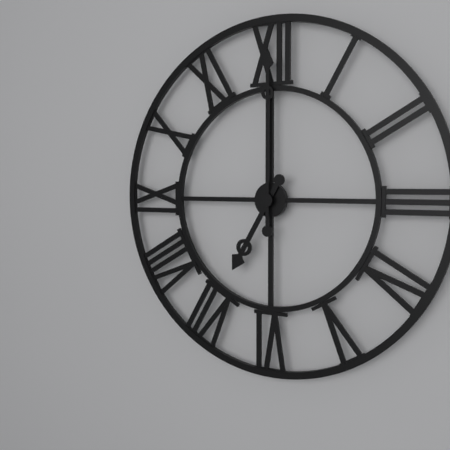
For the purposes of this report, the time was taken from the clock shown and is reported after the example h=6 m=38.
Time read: h=7 m=0
